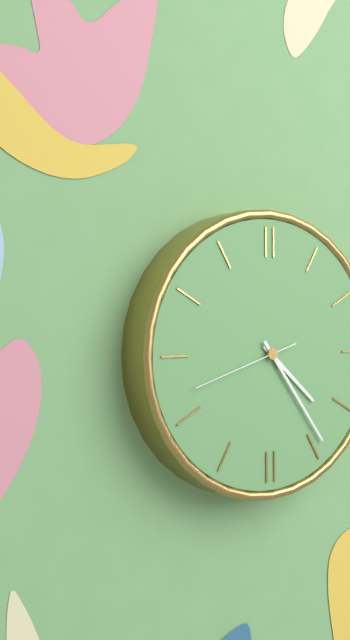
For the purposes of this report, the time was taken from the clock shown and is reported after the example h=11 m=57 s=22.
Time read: h=4 m=24 s=42
